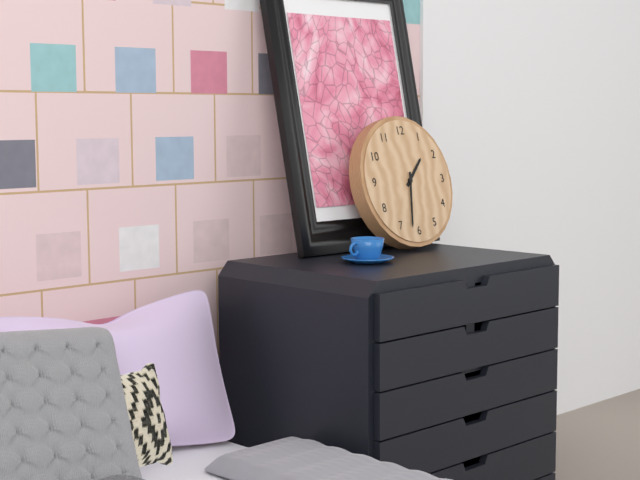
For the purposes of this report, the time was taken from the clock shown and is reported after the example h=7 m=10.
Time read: h=1 m=32
